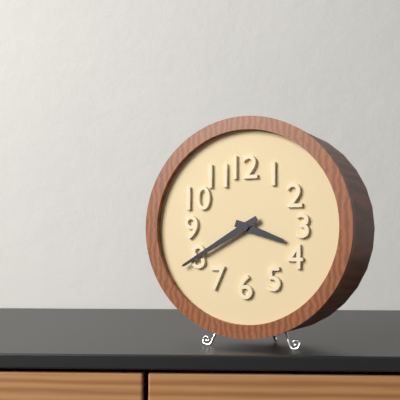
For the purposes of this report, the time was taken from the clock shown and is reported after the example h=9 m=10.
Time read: h=3 m=40
